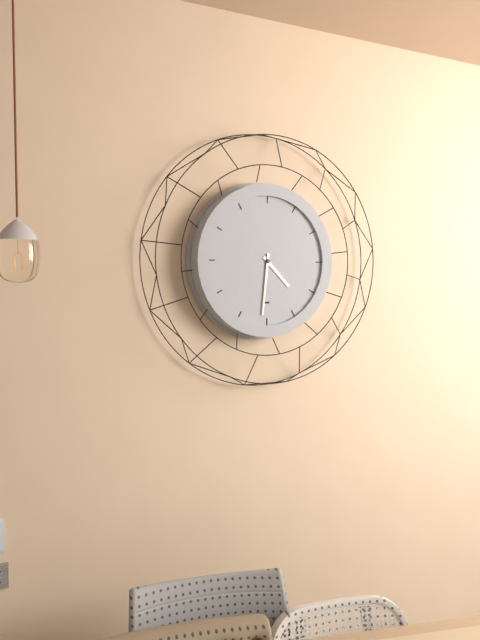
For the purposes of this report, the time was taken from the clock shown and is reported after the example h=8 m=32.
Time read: h=4 m=31
